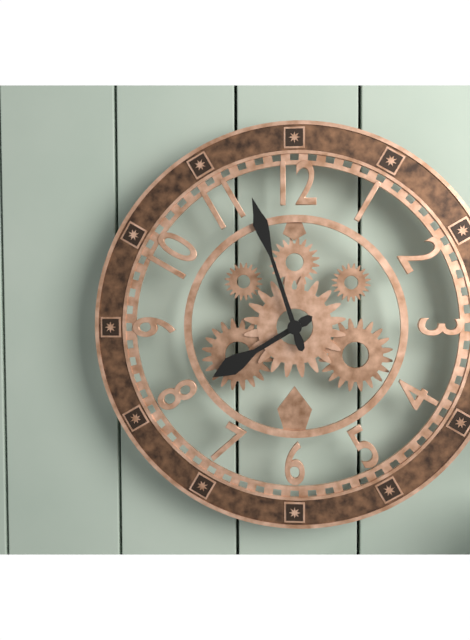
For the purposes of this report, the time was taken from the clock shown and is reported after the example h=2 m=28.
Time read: h=7 m=57
